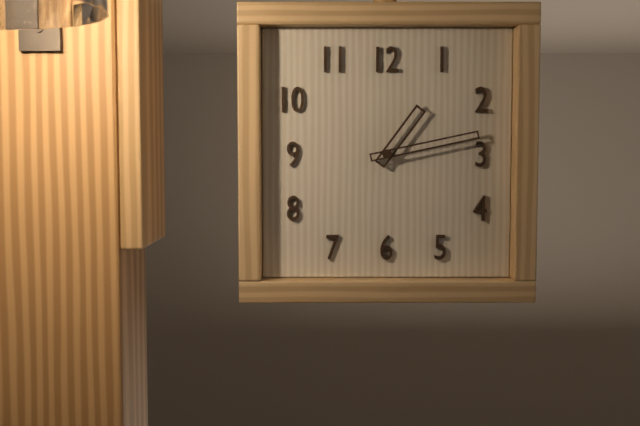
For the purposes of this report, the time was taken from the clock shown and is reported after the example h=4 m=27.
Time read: h=1 m=13
